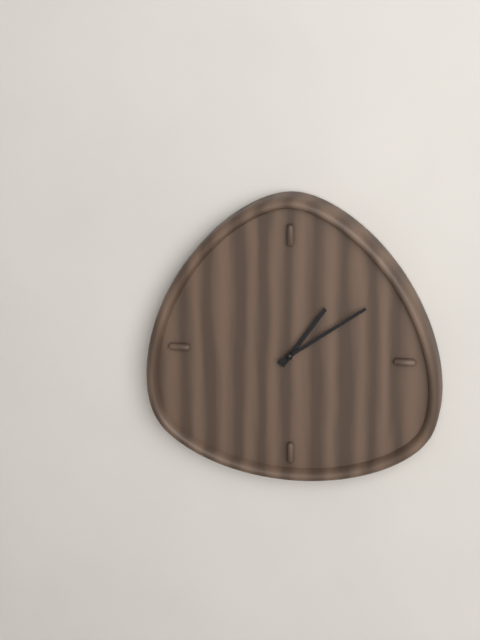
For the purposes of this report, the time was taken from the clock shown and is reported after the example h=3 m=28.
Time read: h=1 m=9
